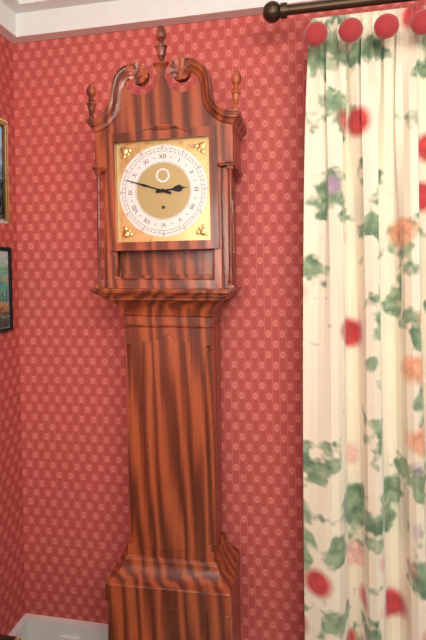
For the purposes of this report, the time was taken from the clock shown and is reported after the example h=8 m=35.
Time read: h=2 m=48
